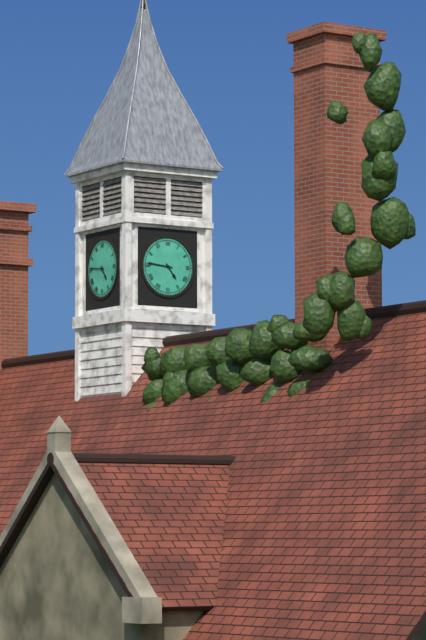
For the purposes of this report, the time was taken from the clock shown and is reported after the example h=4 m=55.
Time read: h=4 m=46
